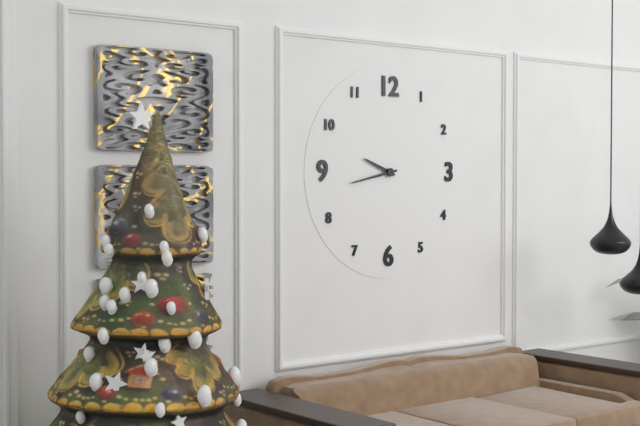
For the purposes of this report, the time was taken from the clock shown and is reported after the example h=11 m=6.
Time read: h=9 m=43
